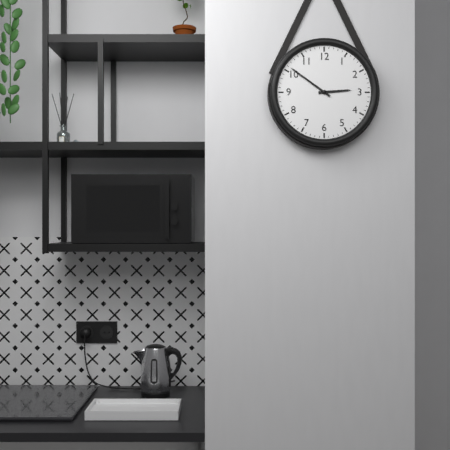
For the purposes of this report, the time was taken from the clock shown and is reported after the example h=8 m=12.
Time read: h=2 m=51
